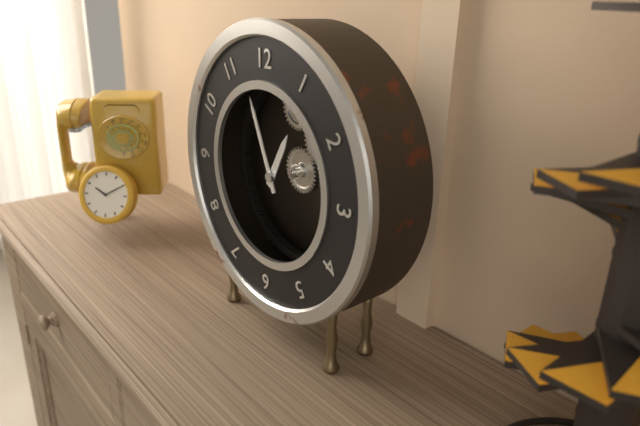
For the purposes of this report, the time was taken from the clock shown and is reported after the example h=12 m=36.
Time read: h=12 m=56
